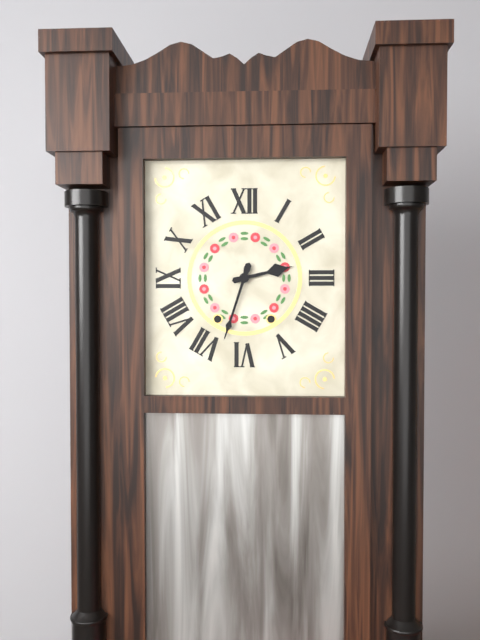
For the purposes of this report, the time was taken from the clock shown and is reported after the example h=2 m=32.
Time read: h=2 m=33
